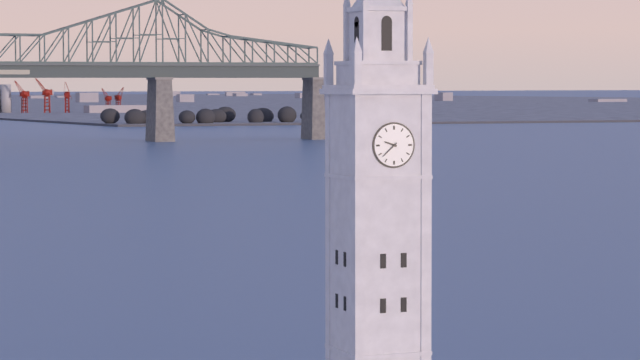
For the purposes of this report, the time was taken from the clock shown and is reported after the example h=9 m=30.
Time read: h=9 m=38
